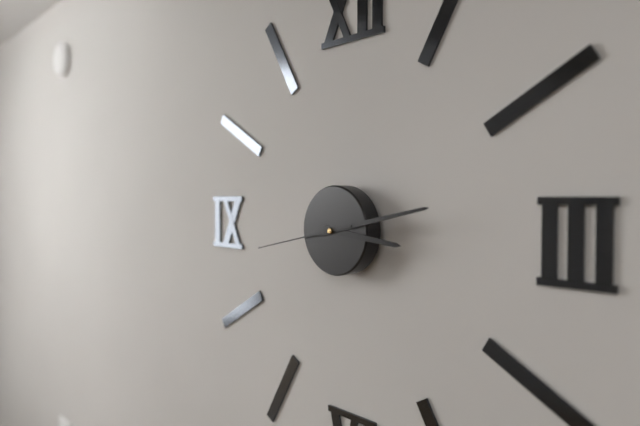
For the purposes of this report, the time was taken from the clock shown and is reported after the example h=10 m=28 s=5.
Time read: h=3 m=13 s=43
